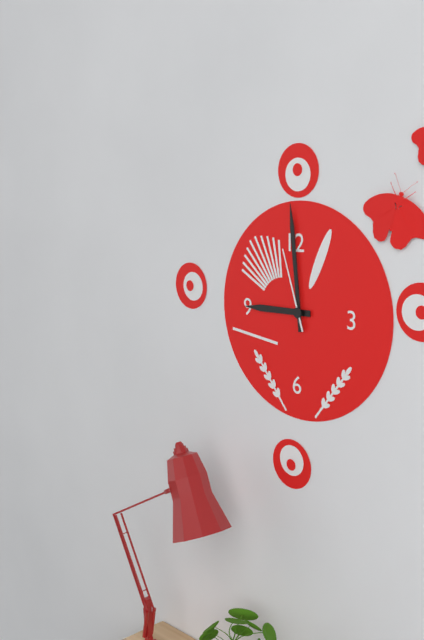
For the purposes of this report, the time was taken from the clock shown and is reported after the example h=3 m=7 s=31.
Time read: h=8 m=59 s=57
